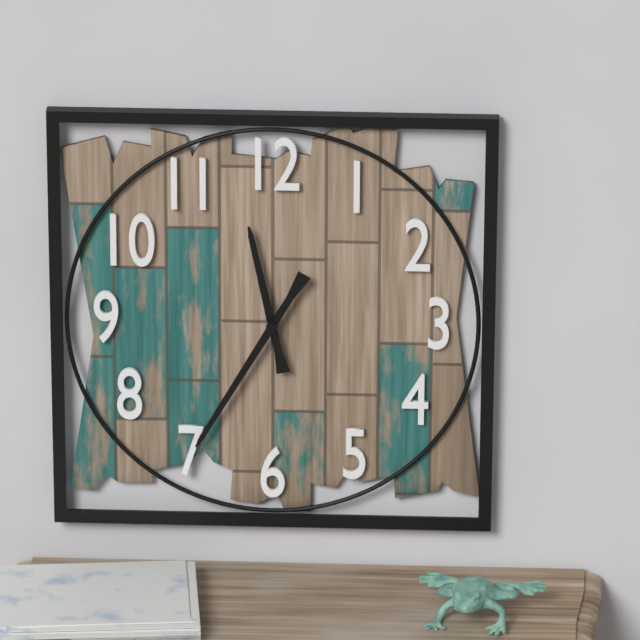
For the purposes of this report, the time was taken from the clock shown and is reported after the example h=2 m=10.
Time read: h=11 m=35
